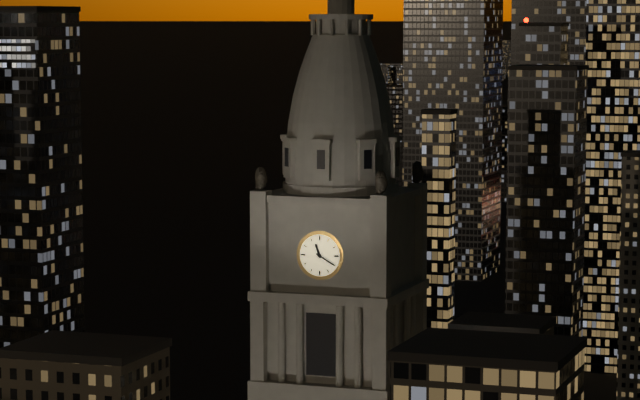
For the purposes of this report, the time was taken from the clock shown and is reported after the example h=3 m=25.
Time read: h=11 m=20
